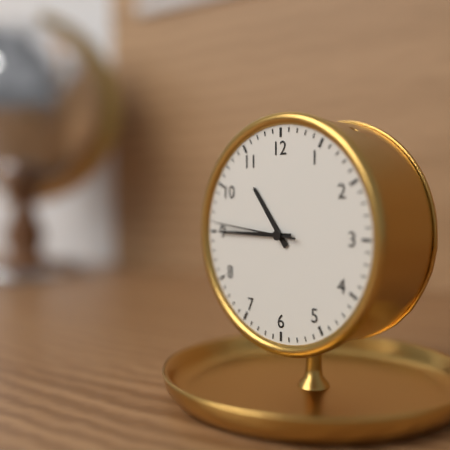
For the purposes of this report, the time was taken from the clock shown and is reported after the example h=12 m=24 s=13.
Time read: h=10 m=45 s=46
